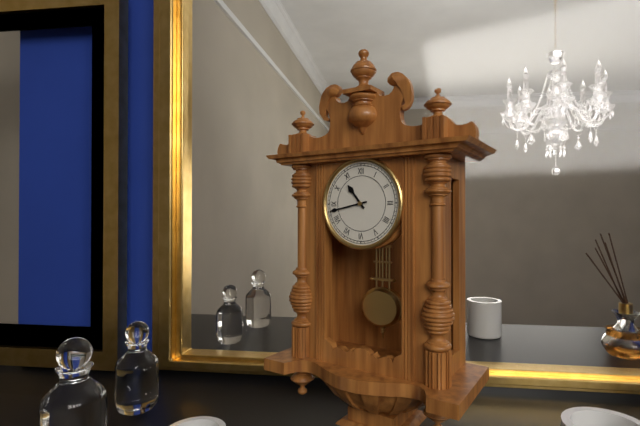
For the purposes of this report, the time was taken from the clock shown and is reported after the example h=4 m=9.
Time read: h=10 m=43
